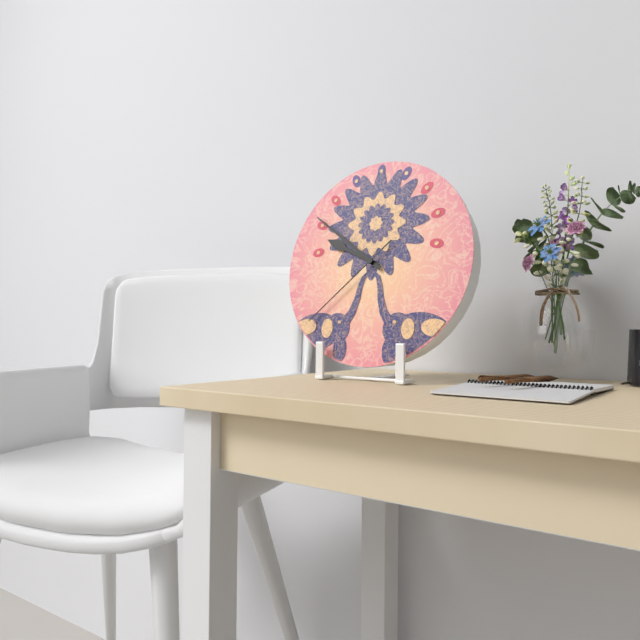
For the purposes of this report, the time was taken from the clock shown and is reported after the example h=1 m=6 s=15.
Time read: h=9 m=51 s=38
